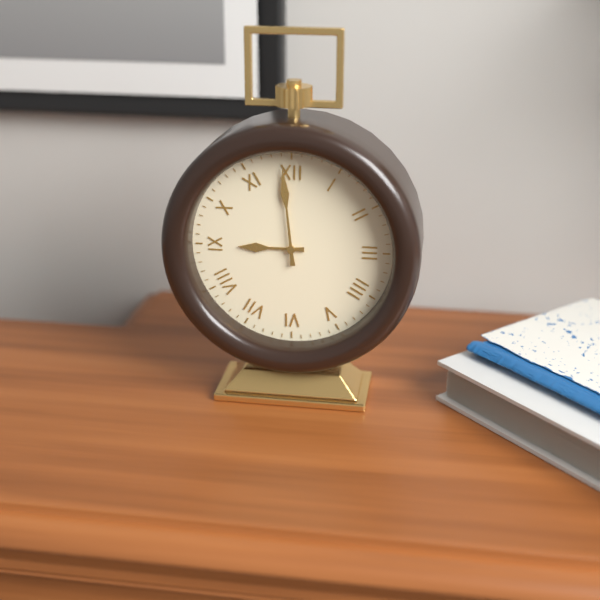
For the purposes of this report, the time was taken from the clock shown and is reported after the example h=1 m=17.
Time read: h=8 m=59
